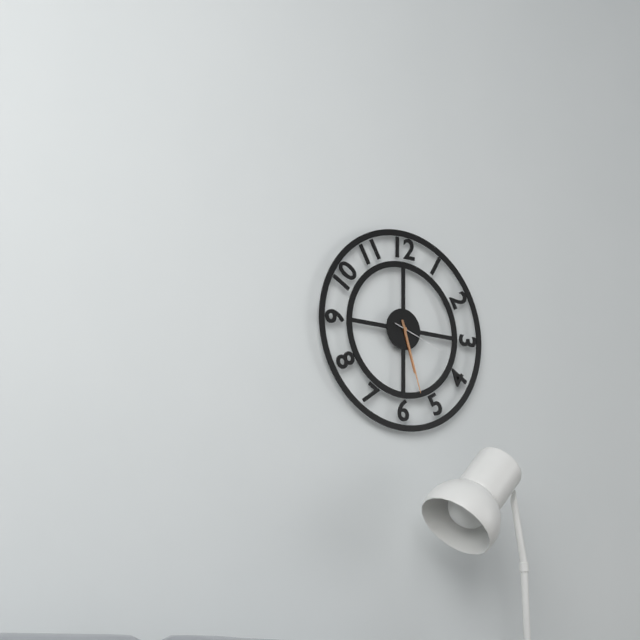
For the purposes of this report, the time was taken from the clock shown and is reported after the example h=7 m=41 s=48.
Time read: h=5 m=27 s=18
